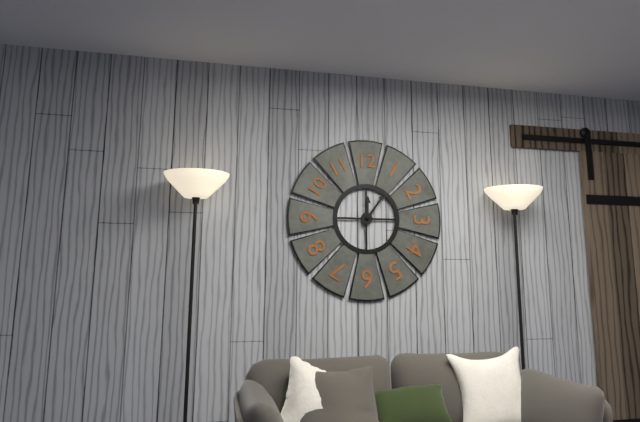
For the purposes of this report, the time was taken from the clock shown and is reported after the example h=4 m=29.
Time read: h=12 m=6
